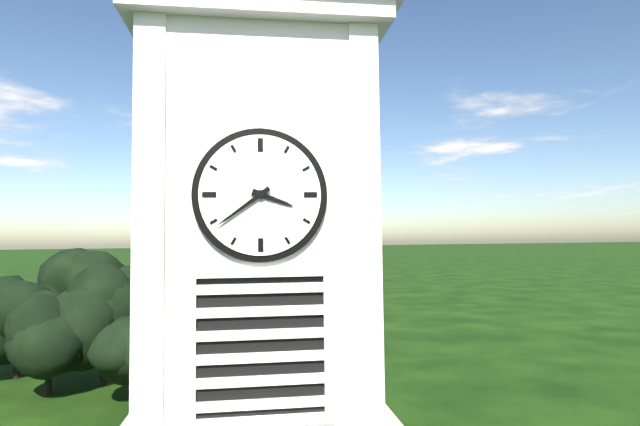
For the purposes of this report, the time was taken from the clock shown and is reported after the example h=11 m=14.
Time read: h=3 m=39
